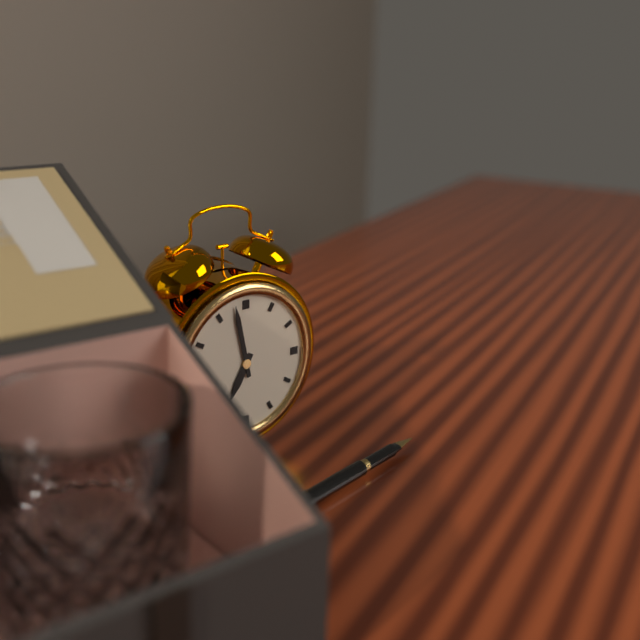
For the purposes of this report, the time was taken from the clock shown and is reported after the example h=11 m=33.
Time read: h=6 m=58
